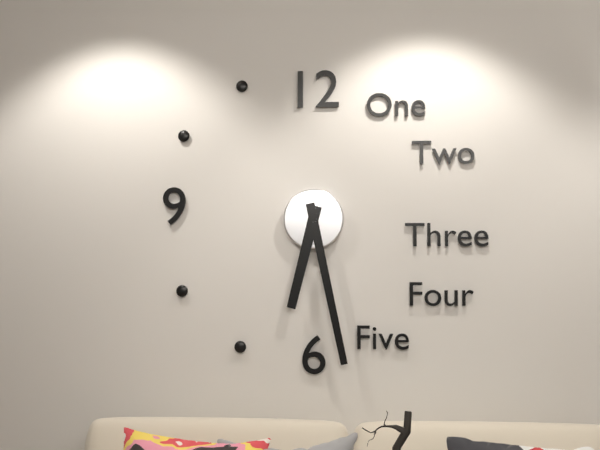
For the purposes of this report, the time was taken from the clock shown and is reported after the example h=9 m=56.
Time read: h=6 m=28
